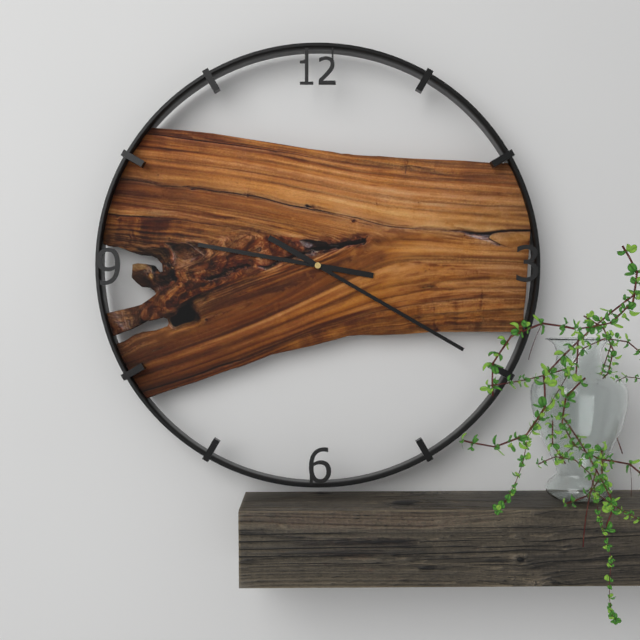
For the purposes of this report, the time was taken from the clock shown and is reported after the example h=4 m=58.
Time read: h=9 m=20
